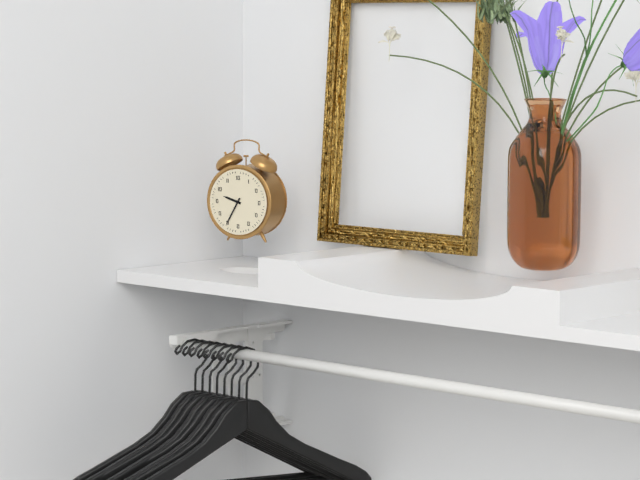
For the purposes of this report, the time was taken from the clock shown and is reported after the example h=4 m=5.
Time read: h=9 m=35
